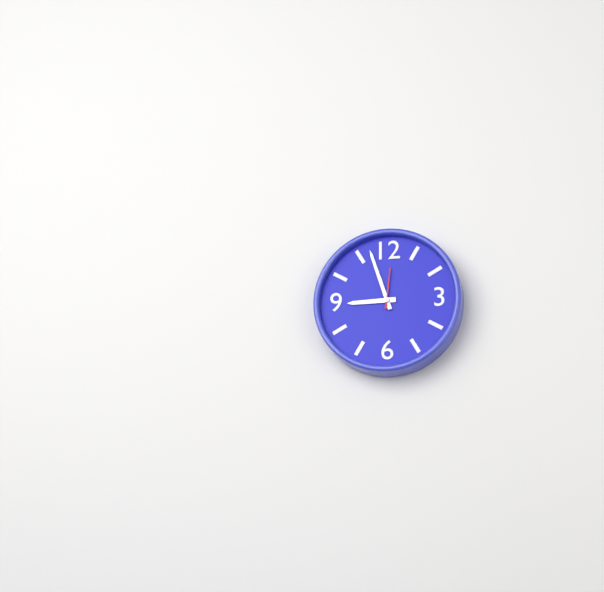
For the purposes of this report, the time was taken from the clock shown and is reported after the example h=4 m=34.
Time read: h=8 m=57
